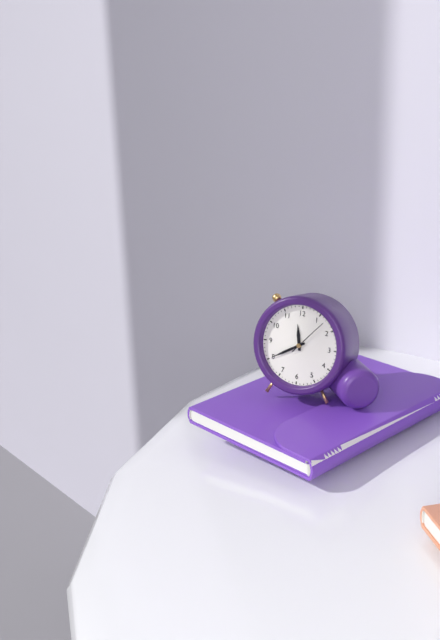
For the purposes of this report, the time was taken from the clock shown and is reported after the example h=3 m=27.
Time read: h=11 m=40
